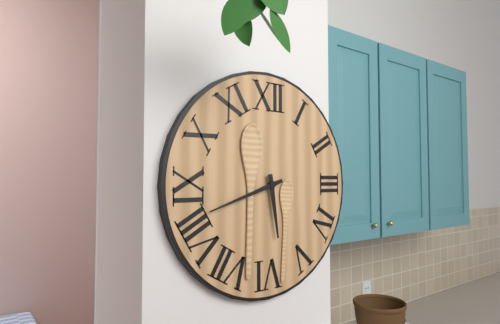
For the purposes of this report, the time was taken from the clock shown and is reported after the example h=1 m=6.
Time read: h=5 m=42
